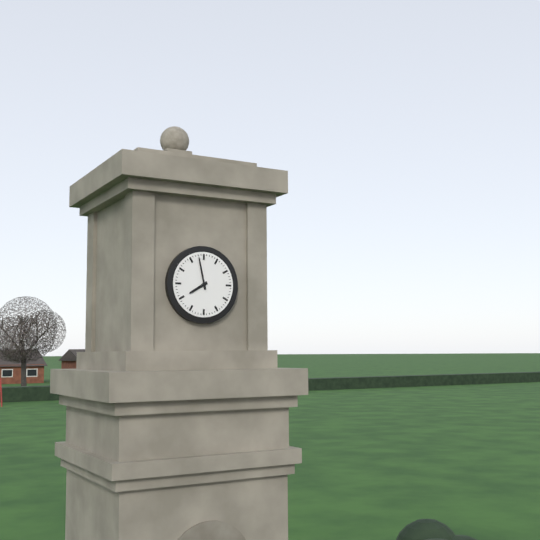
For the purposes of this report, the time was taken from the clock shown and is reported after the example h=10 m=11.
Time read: h=7 m=58
